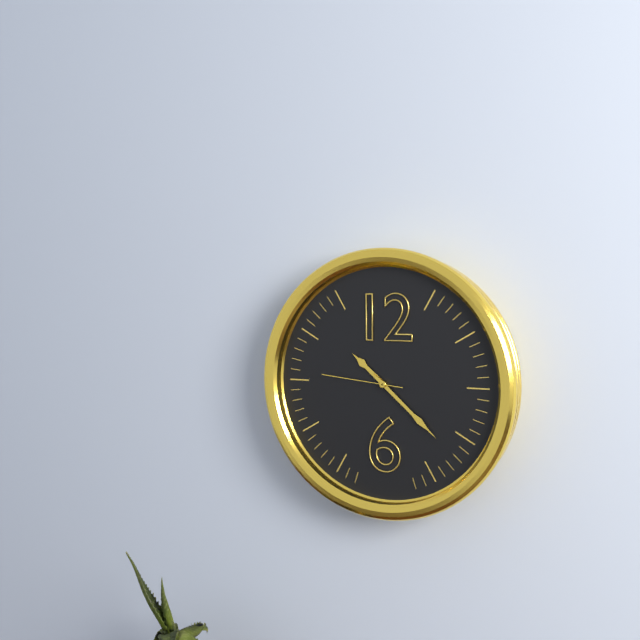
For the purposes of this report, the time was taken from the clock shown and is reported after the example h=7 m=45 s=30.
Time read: h=10 m=22 s=46
